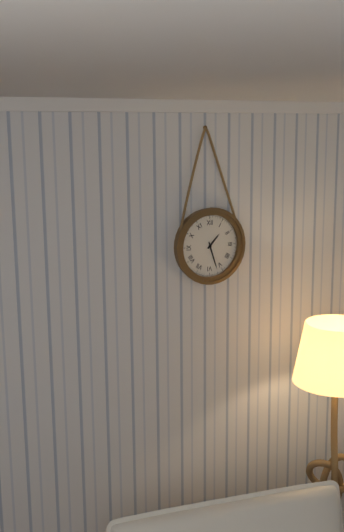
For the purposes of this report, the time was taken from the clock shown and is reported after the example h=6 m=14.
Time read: h=1 m=27
